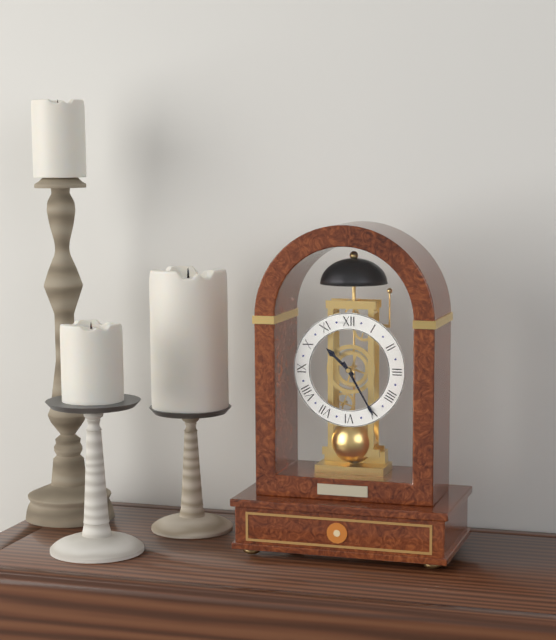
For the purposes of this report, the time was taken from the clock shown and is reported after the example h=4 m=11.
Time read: h=10 m=25
